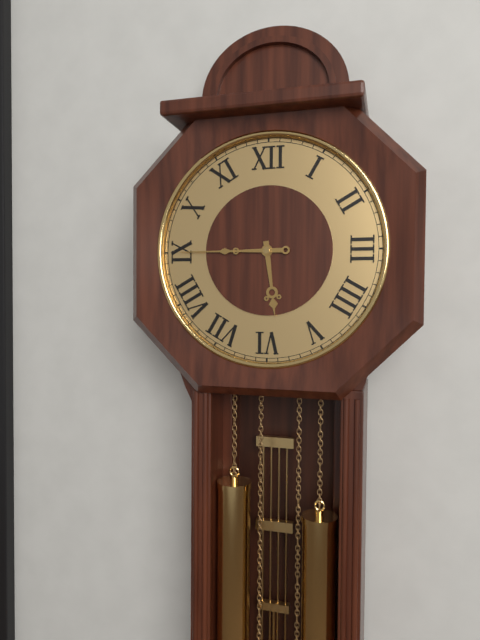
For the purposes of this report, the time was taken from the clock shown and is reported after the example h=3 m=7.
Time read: h=5 m=45
